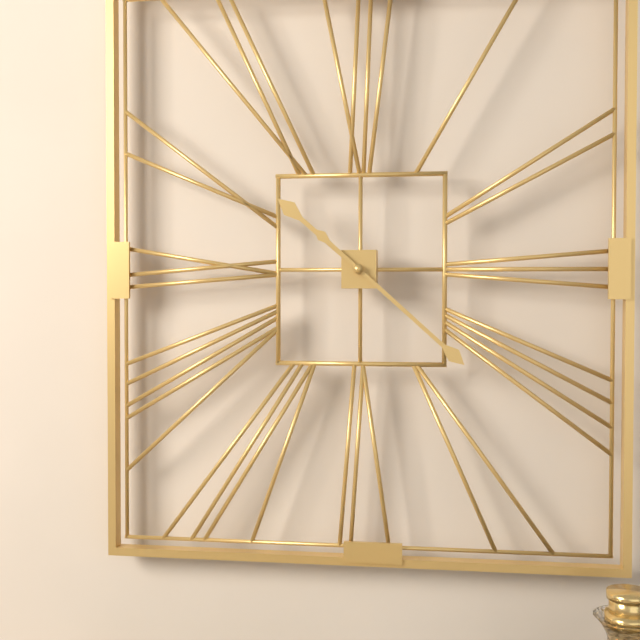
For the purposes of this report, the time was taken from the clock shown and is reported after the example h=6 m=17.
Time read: h=10 m=22
